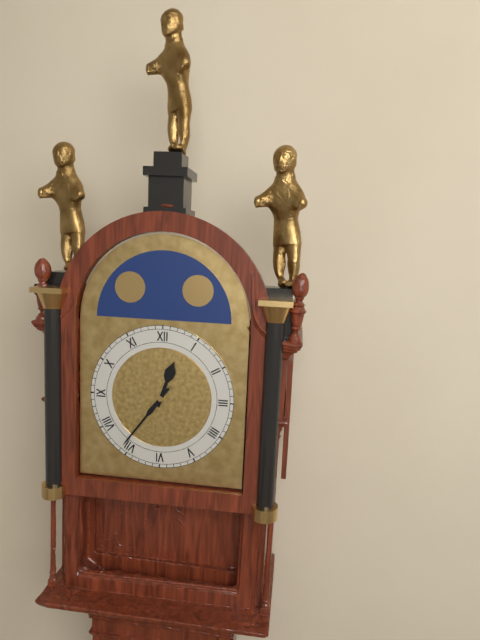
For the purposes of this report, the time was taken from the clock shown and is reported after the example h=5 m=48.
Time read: h=12 m=36
